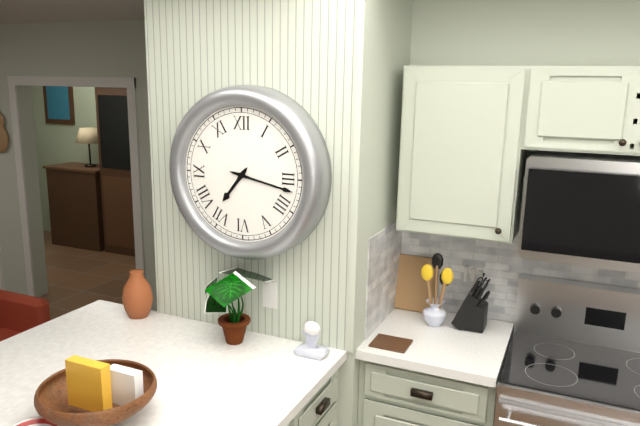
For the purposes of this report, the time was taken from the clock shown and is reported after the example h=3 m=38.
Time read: h=7 m=17
